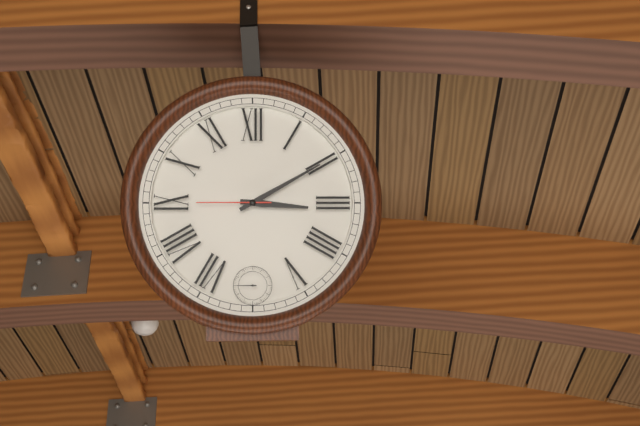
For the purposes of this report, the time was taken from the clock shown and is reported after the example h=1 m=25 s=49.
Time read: h=3 m=10 s=45
